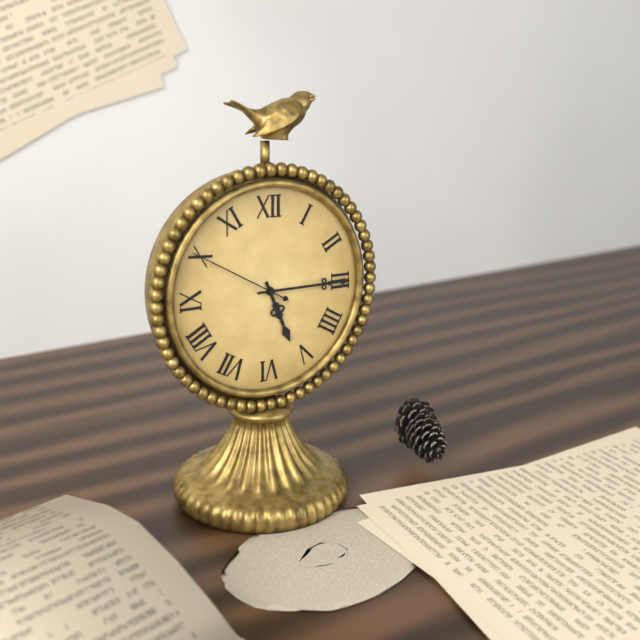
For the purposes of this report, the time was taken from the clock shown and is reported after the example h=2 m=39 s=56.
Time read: h=5 m=15 s=50
